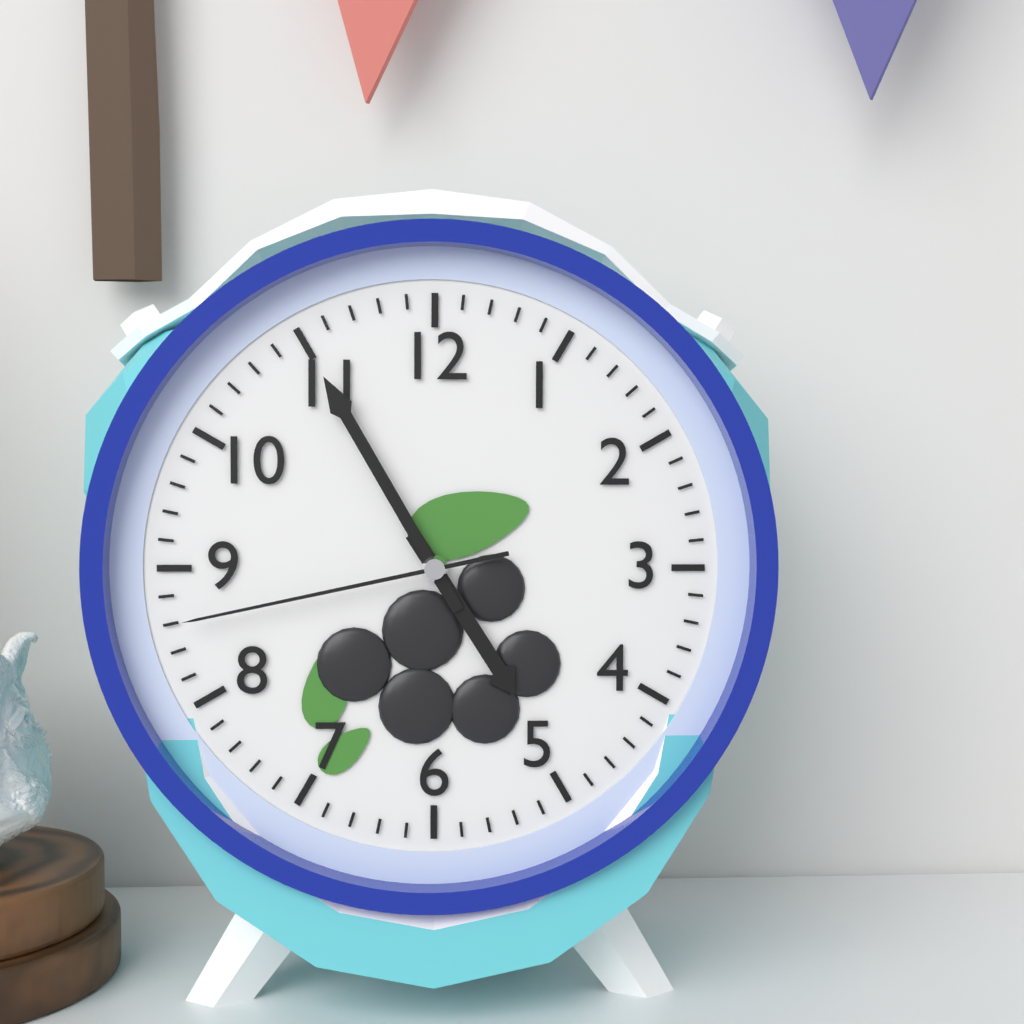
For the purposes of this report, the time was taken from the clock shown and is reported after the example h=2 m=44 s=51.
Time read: h=4 m=55 s=43
